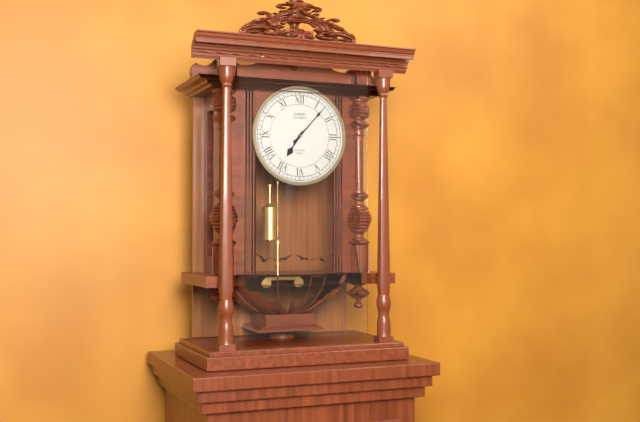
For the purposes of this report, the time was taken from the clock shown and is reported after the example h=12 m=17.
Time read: h=7 m=7
